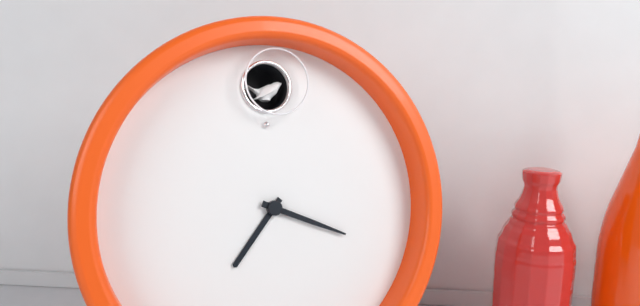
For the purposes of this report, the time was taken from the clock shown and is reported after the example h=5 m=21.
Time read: h=7 m=19
